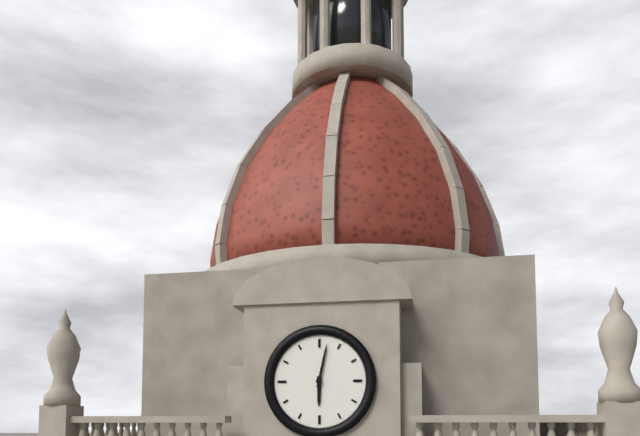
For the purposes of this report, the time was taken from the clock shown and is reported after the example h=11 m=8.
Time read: h=6 m=2
